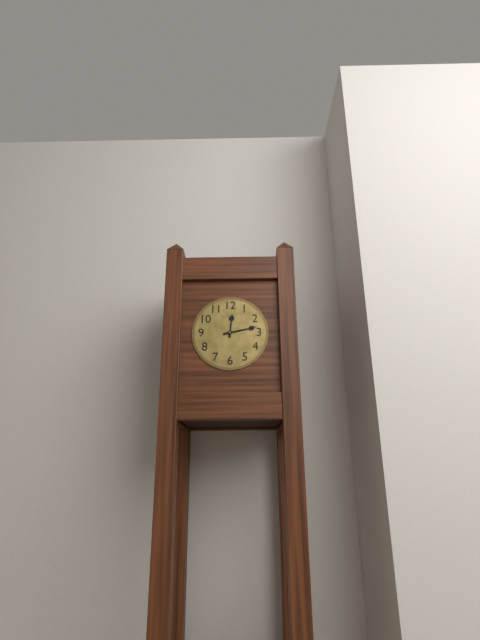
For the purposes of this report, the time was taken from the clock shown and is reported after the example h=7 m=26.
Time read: h=12 m=13
